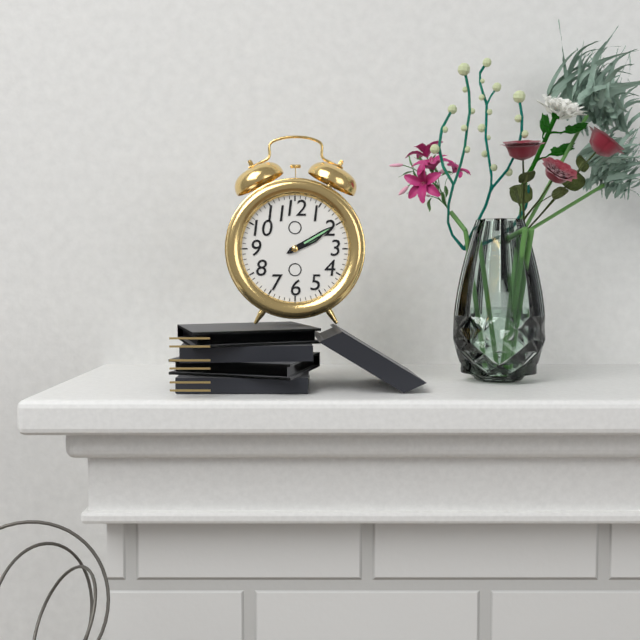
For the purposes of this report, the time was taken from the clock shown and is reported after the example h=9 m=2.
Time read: h=2 m=10
